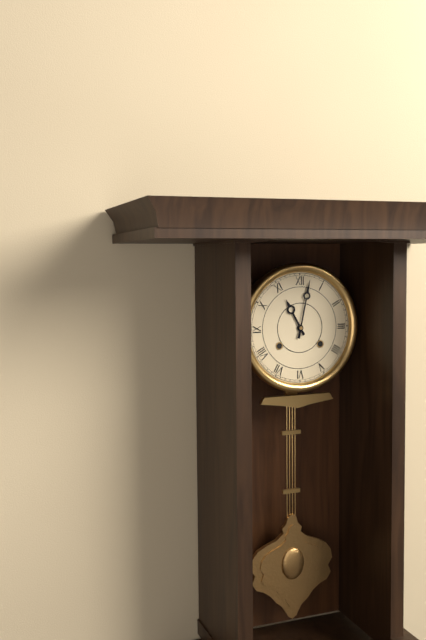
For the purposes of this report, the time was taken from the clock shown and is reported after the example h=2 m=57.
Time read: h=11 m=2
